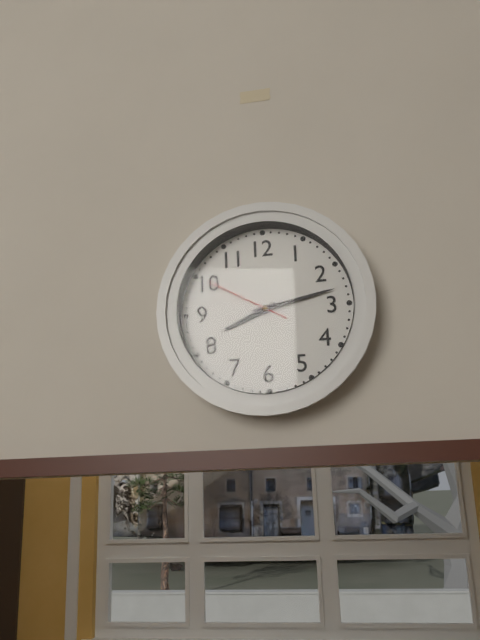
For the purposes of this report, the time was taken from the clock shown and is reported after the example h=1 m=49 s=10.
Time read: h=8 m=13 s=50
